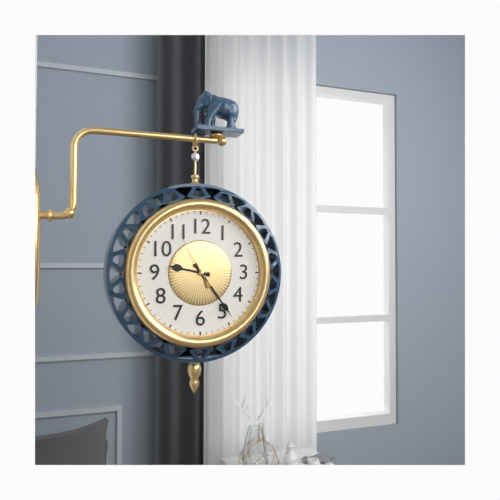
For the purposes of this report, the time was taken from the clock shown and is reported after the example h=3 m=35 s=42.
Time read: h=9 m=24 s=55
